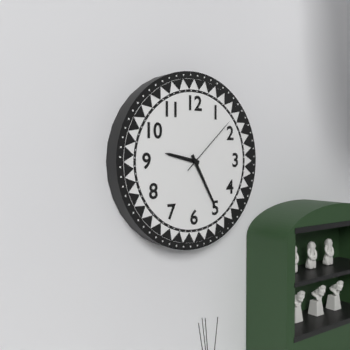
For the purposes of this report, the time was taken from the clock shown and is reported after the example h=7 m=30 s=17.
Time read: h=9 m=25 s=8
